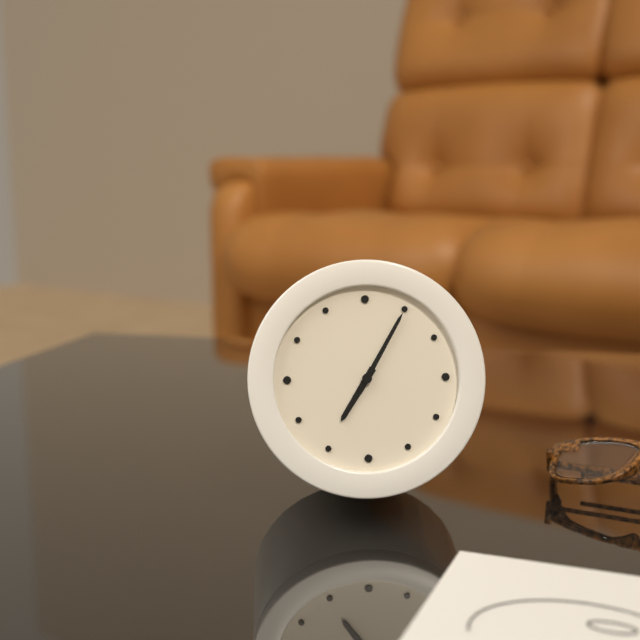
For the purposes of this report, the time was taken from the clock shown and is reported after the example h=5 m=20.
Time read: h=7 m=5
